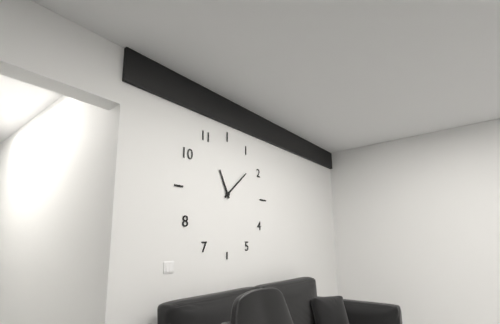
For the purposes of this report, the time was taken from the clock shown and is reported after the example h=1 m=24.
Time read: h=11 m=8
